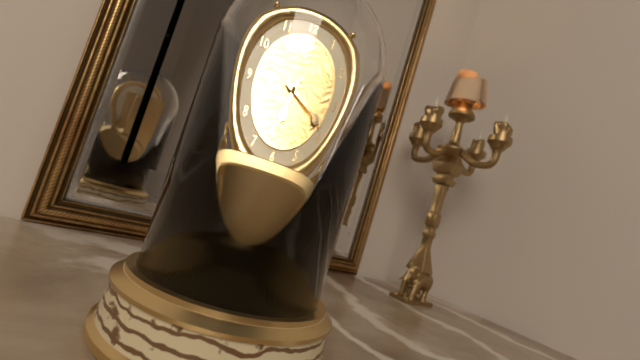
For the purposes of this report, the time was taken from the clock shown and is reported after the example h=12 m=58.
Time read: h=6 m=19
